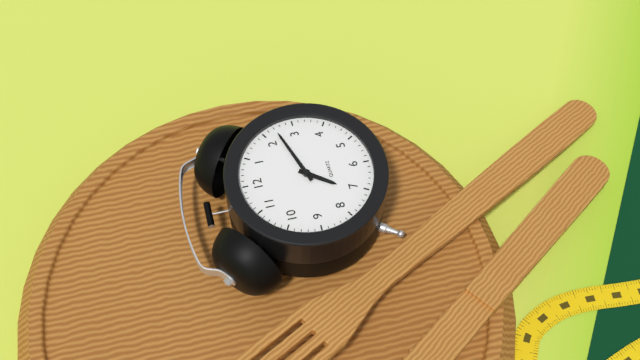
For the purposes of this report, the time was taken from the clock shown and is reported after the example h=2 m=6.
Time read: h=7 m=12
